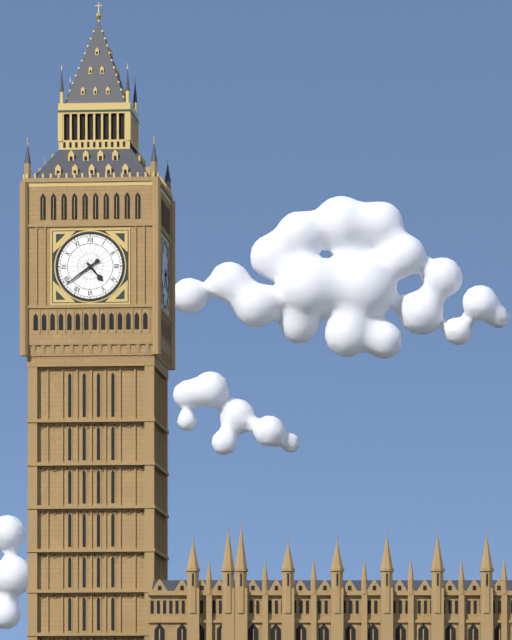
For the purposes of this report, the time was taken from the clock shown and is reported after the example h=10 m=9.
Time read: h=4 m=39
